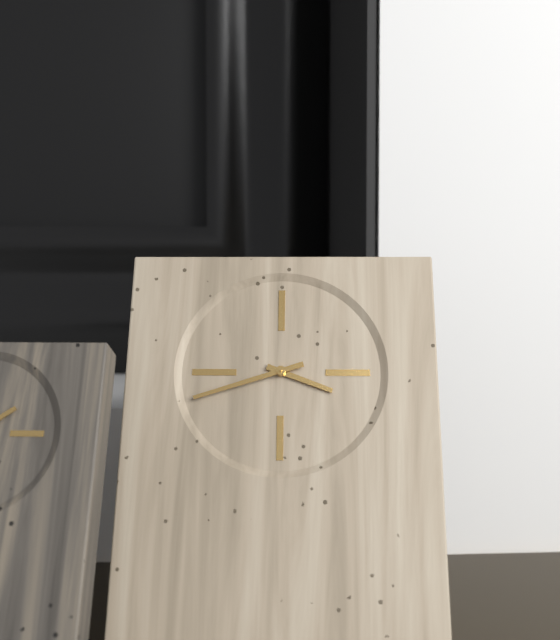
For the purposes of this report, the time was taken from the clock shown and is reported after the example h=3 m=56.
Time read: h=3 m=42
